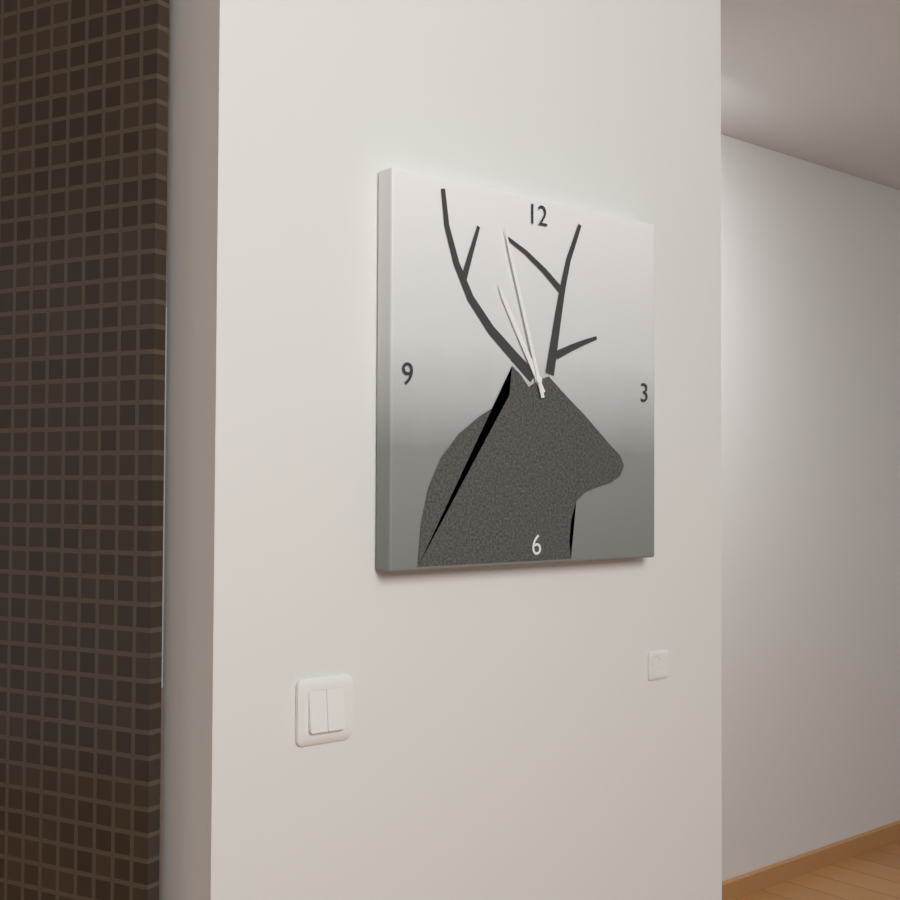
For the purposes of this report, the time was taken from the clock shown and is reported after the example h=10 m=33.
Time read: h=10 m=57
